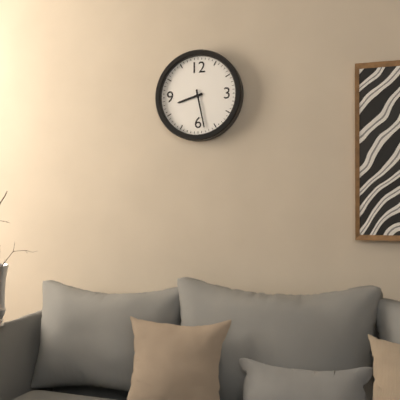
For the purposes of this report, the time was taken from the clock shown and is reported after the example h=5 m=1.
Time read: h=8 m=28
